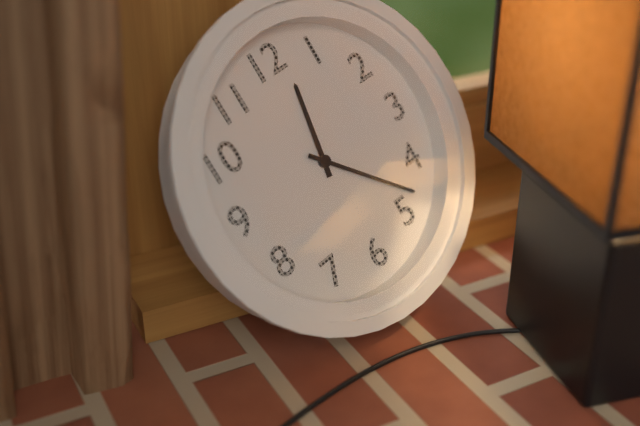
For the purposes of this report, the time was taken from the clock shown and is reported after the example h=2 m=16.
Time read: h=12 m=23
